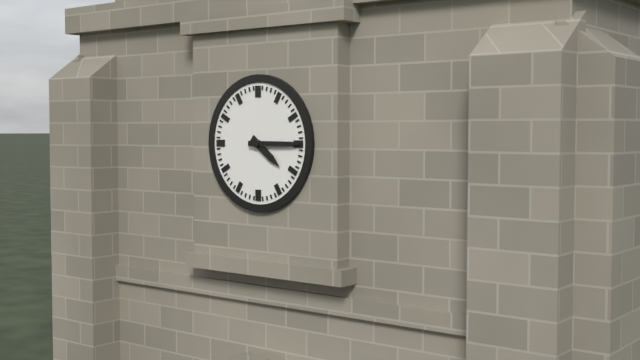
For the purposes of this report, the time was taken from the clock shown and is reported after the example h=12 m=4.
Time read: h=4 m=15
